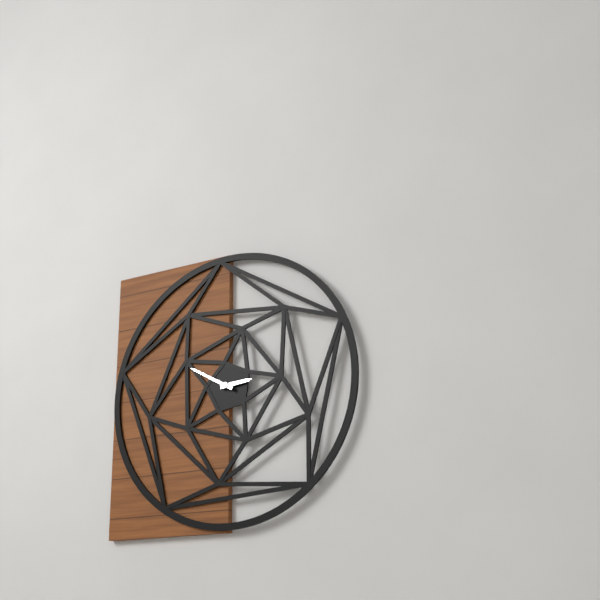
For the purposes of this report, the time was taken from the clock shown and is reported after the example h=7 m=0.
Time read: h=2 m=50
